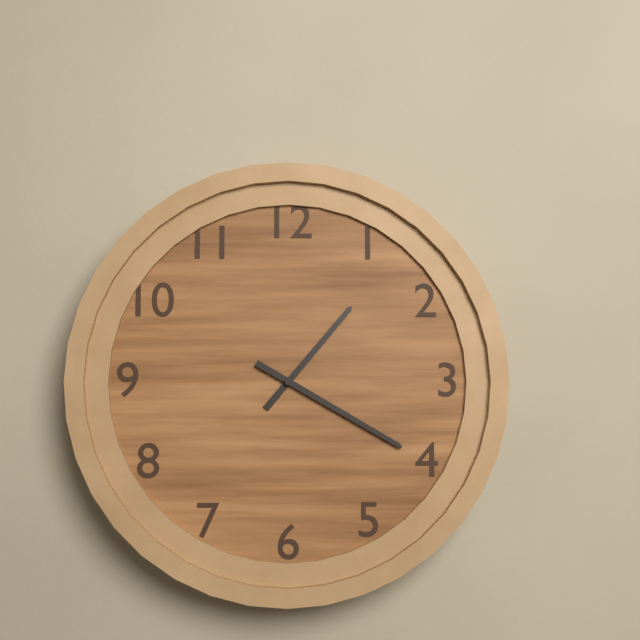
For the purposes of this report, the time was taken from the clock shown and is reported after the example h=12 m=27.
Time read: h=1 m=20
